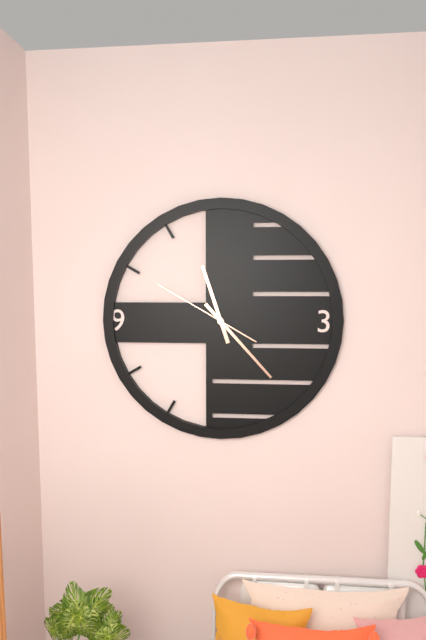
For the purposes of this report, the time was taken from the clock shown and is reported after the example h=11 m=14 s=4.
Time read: h=11 m=23 s=50
